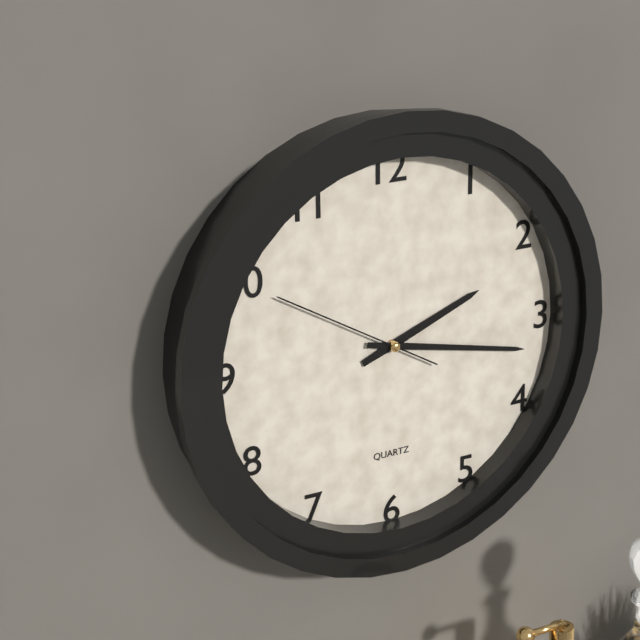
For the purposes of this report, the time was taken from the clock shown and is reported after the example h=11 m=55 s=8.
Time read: h=2 m=17 s=50
